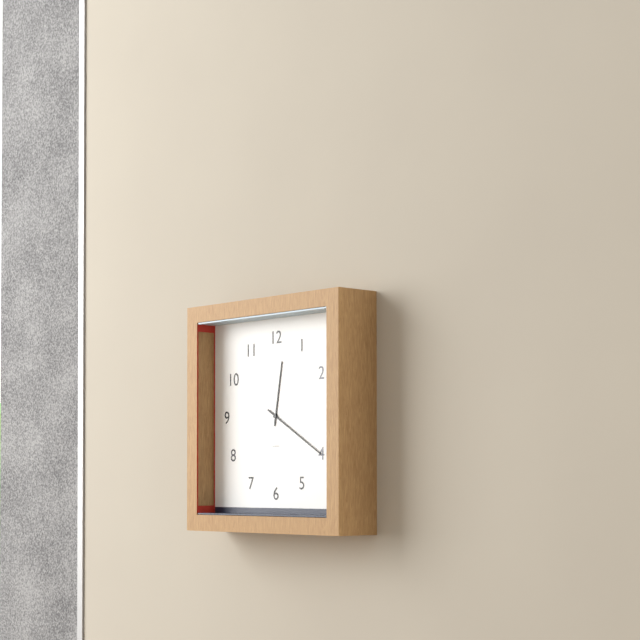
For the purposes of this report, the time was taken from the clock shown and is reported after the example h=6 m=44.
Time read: h=12 m=20
